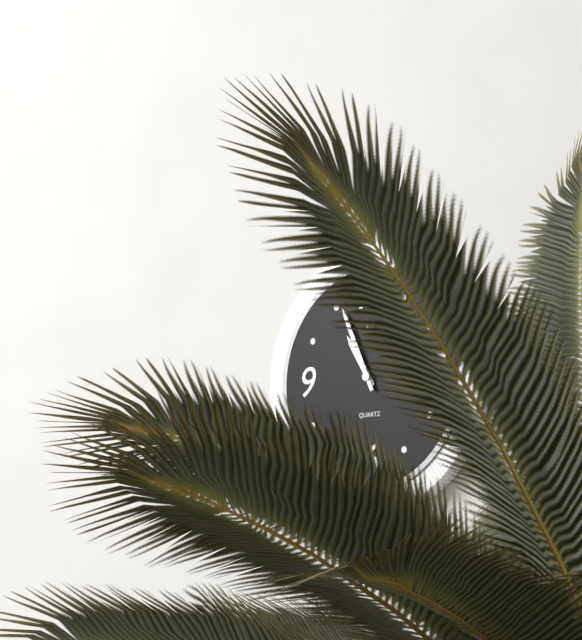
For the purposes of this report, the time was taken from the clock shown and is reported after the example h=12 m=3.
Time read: h=10 m=56
